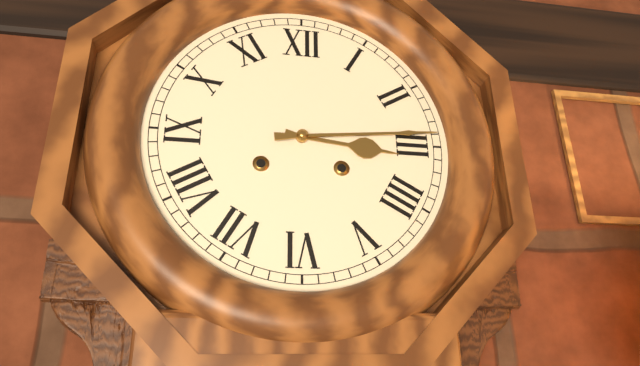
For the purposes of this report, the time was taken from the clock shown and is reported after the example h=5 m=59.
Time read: h=3 m=14
